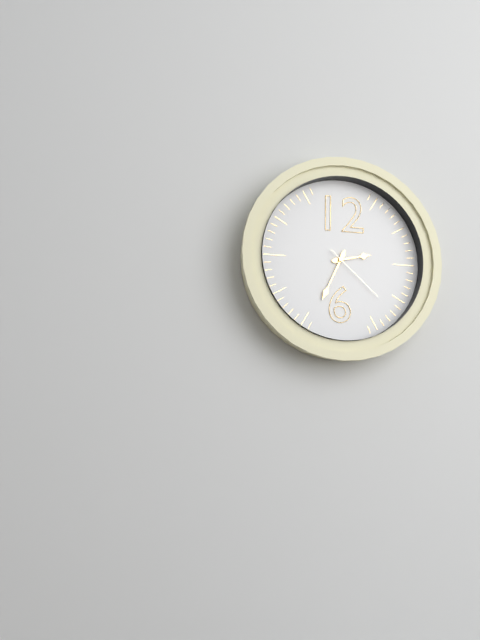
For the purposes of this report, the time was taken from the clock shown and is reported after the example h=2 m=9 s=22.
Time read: h=2 m=34 s=22
